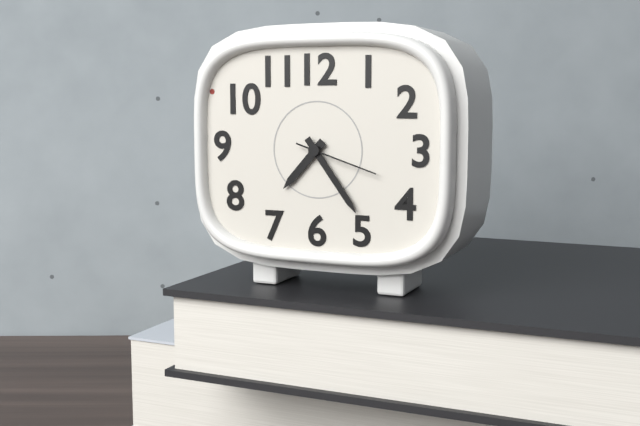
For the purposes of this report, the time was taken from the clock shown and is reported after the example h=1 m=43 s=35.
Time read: h=7 m=24 s=18
